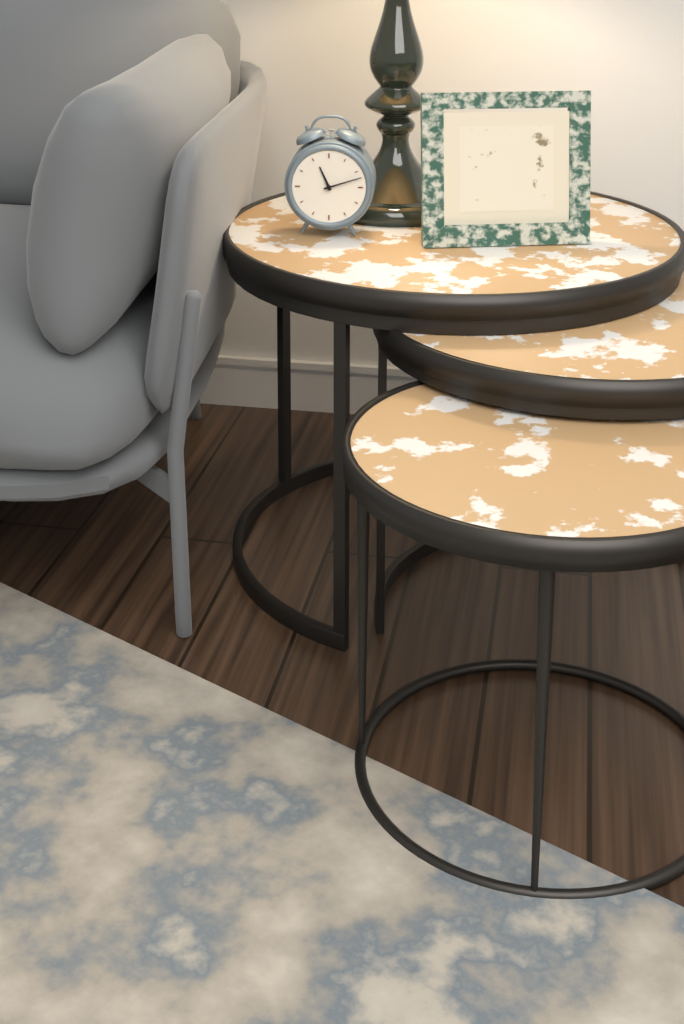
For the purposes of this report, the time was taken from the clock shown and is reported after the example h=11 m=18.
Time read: h=11 m=12
